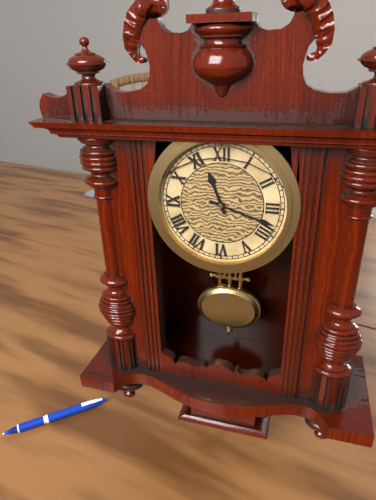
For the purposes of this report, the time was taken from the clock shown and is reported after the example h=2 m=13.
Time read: h=11 m=18
